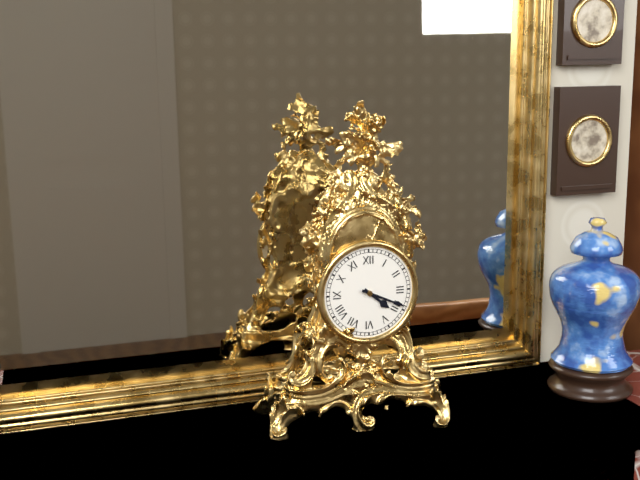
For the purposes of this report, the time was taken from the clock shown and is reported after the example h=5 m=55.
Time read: h=4 m=19
